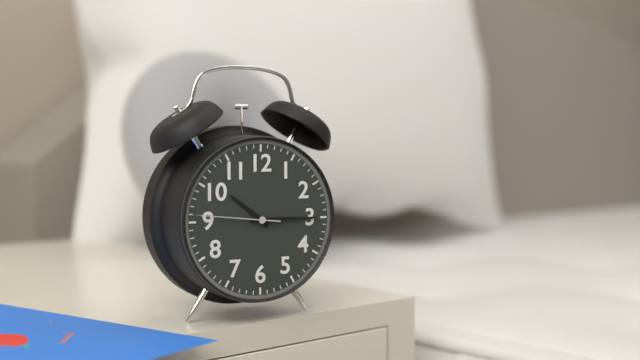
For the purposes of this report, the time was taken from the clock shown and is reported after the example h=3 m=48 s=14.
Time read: h=10 m=15 s=46
